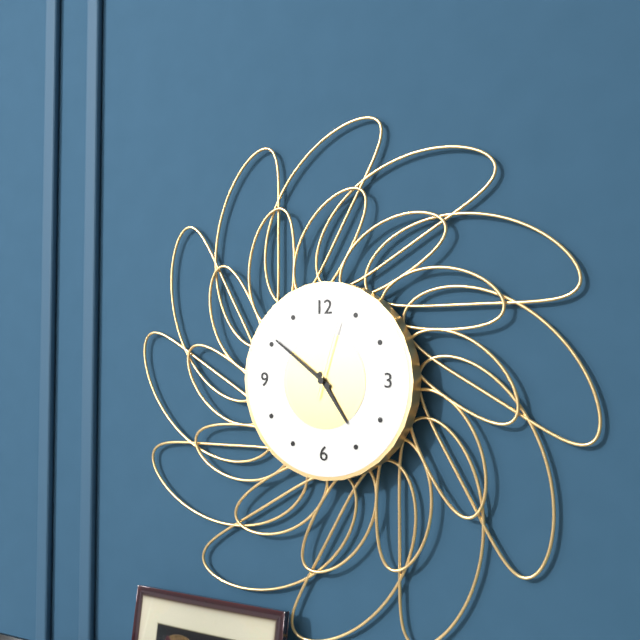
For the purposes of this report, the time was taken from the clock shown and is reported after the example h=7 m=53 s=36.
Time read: h=4 m=51 s=3
